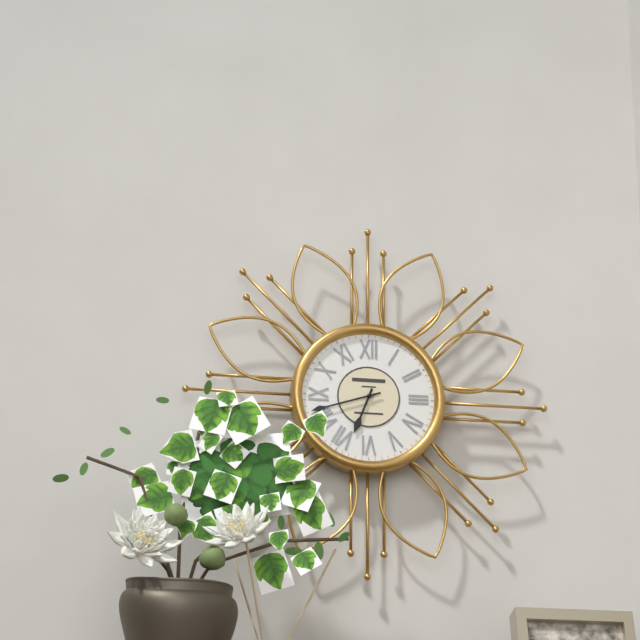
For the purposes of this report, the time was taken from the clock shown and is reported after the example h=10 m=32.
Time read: h=6 m=42
